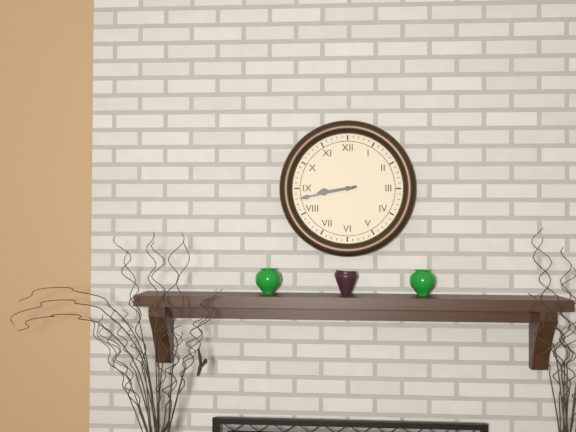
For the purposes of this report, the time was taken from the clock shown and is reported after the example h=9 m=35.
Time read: h=8 m=43
